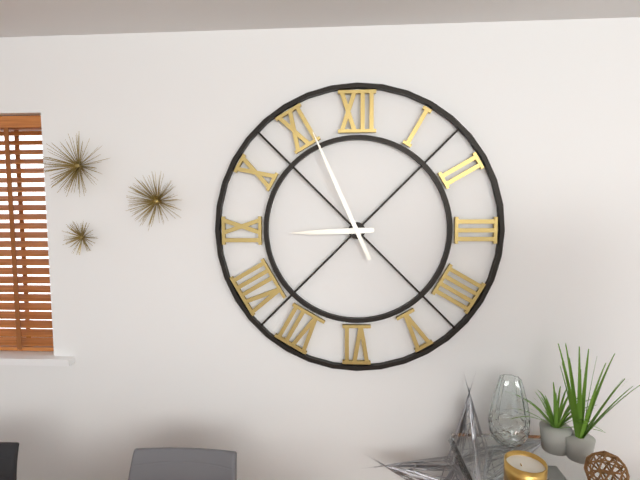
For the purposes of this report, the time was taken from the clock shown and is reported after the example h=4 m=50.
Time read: h=8 m=56
